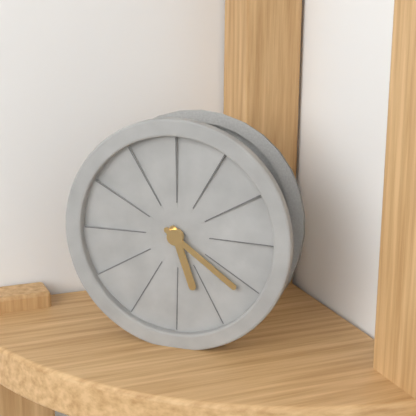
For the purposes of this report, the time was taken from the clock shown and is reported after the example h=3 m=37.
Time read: h=5 m=21
